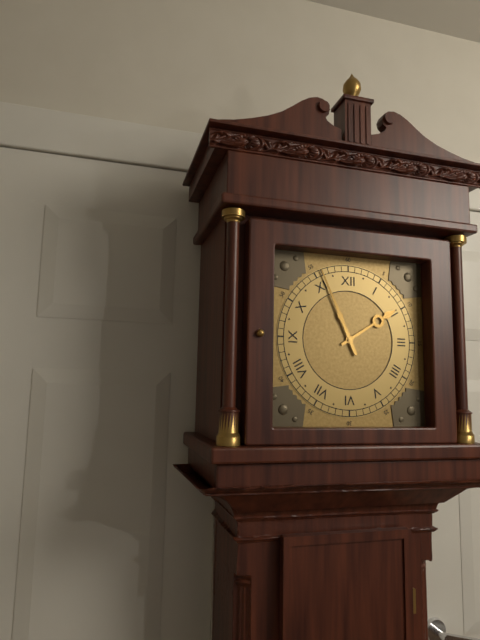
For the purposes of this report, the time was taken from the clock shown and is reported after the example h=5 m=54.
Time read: h=1 m=56
